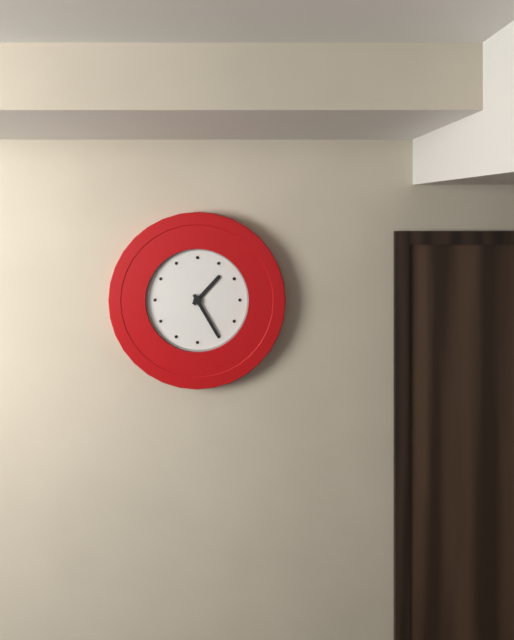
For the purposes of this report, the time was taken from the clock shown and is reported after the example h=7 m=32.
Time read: h=1 m=25
